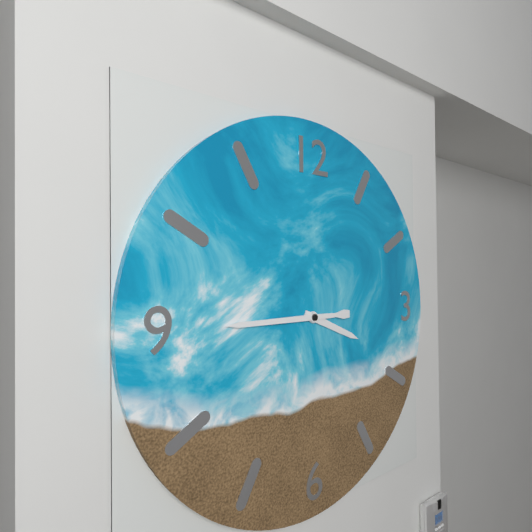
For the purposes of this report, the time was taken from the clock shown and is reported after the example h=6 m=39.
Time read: h=3 m=45
